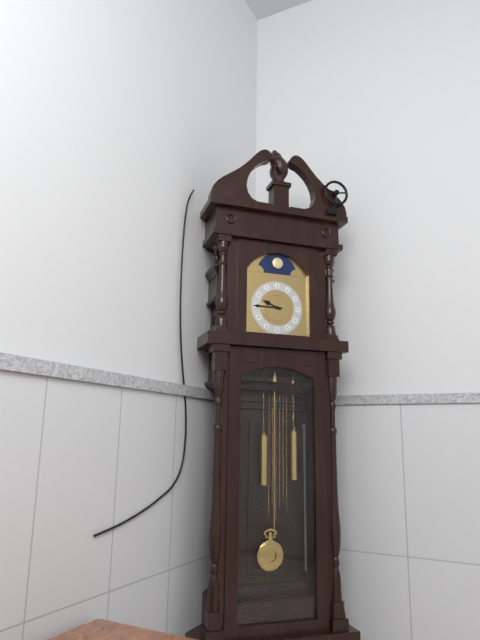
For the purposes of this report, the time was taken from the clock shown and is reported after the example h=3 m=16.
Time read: h=9 m=45
